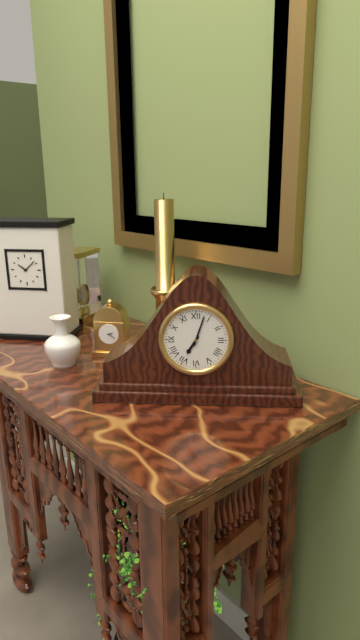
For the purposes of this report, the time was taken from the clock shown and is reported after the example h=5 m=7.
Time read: h=7 m=3
